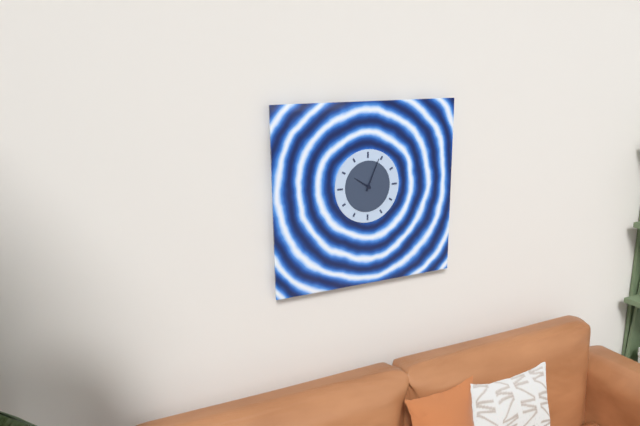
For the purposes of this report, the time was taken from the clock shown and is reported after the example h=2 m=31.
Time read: h=10 m=4
